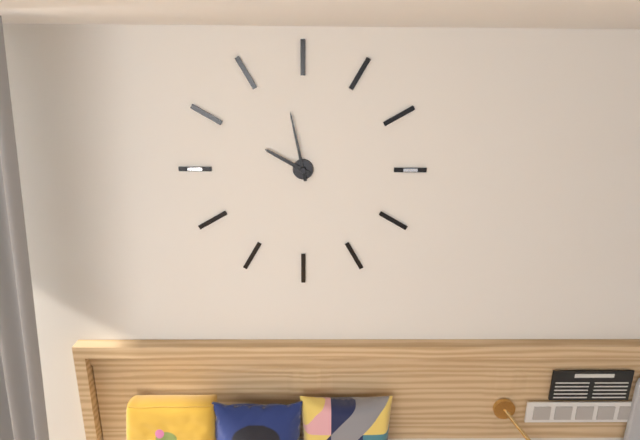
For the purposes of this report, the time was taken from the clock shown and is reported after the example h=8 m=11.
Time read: h=9 m=58
